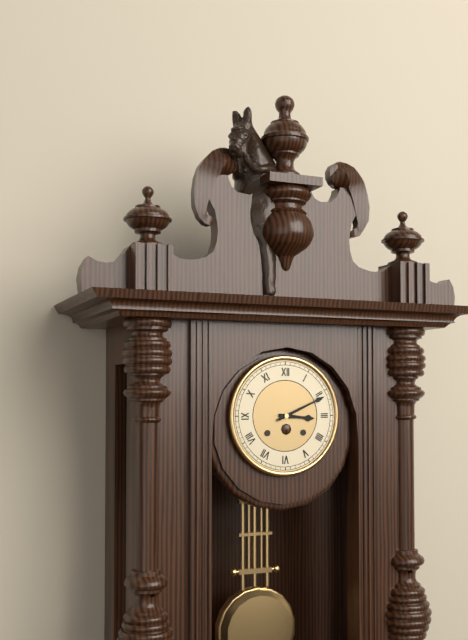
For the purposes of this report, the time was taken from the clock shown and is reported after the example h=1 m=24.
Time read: h=3 m=11
